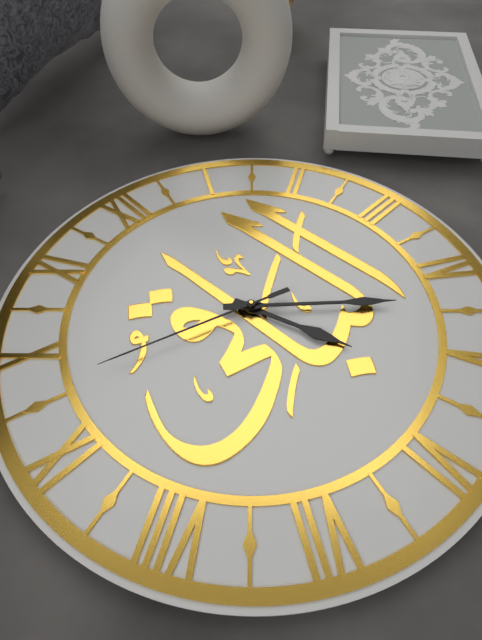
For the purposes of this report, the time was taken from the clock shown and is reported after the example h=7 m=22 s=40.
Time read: h=5 m=22 s=48
